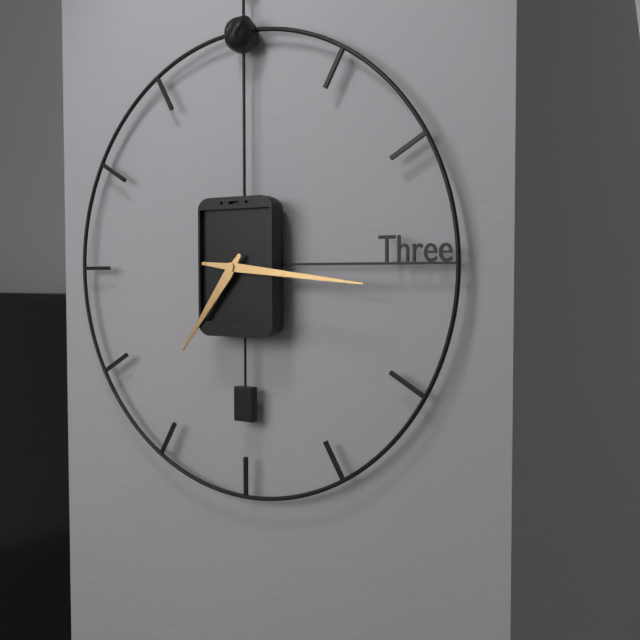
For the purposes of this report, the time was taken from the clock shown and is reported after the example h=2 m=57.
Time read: h=7 m=16
